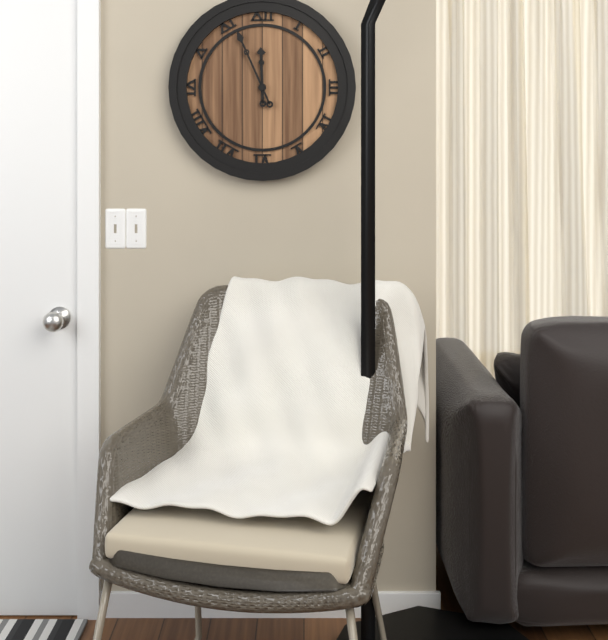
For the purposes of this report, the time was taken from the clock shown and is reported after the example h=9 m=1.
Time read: h=11 m=56
